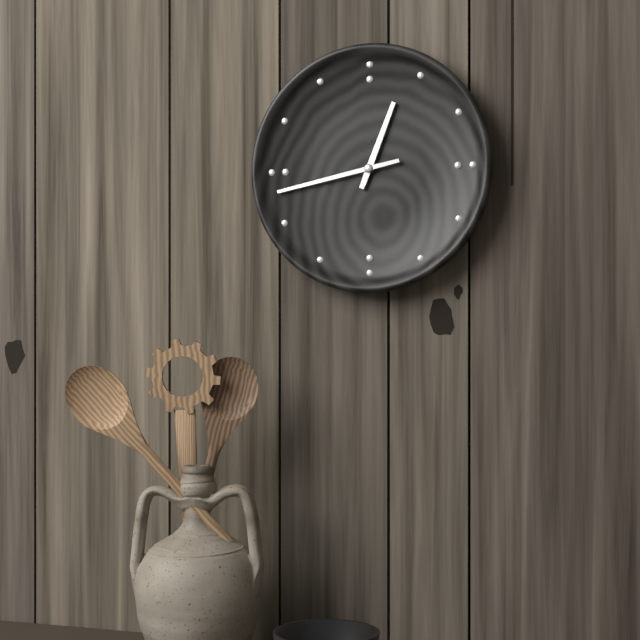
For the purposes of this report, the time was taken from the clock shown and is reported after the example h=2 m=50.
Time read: h=12 m=43
